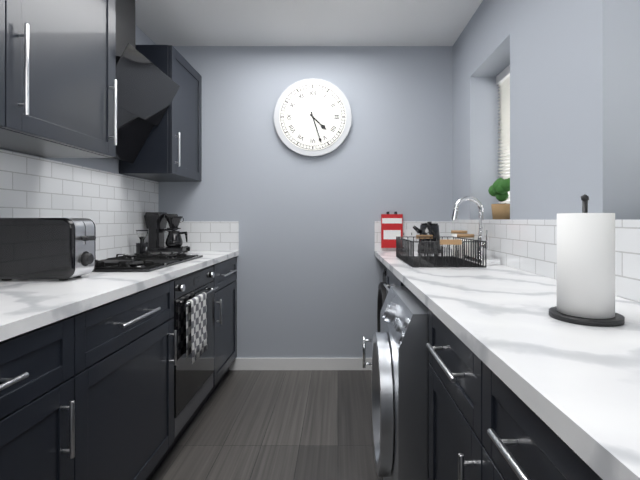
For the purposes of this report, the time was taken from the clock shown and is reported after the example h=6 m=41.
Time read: h=4 m=27
